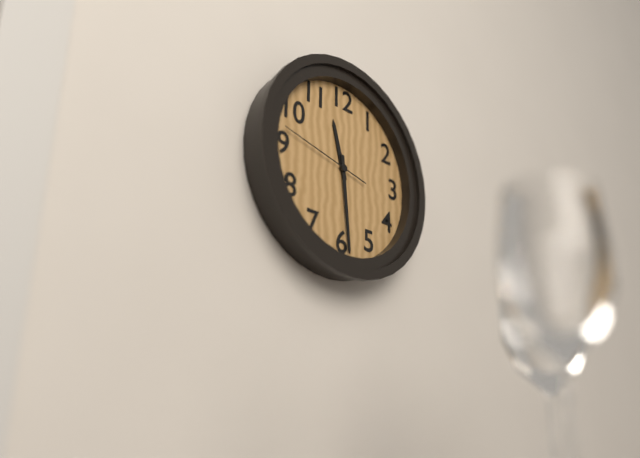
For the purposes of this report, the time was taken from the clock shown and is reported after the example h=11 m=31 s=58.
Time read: h=11 m=29 s=47
